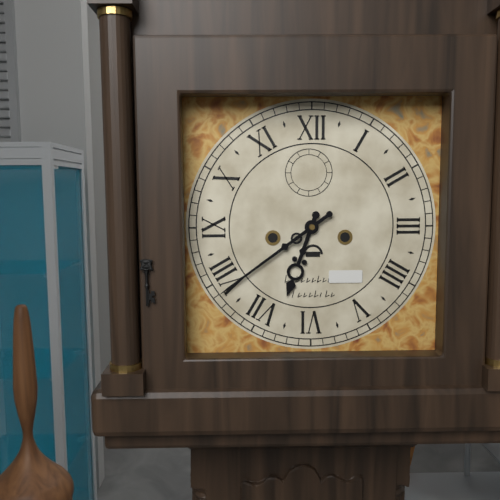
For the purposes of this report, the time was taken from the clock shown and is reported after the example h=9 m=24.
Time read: h=6 m=39
